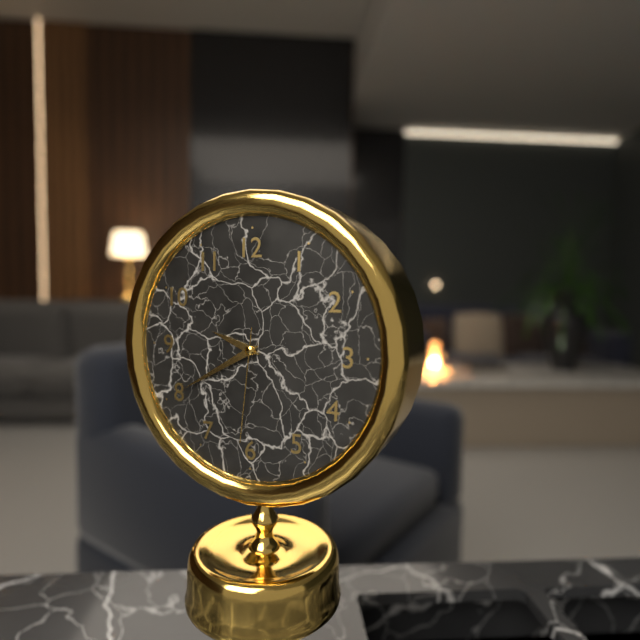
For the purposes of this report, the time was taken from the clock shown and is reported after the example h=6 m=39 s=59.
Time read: h=9 m=40 s=31
